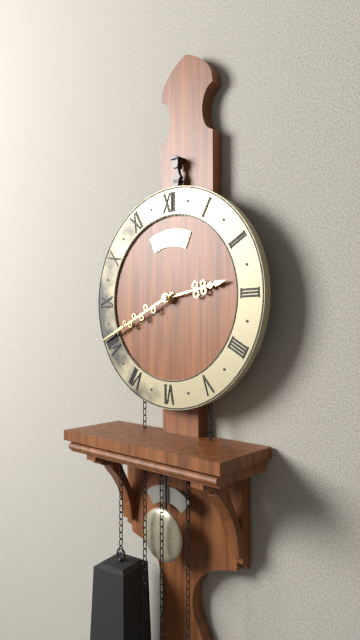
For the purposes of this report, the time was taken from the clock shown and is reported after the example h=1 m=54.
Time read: h=2 m=41
